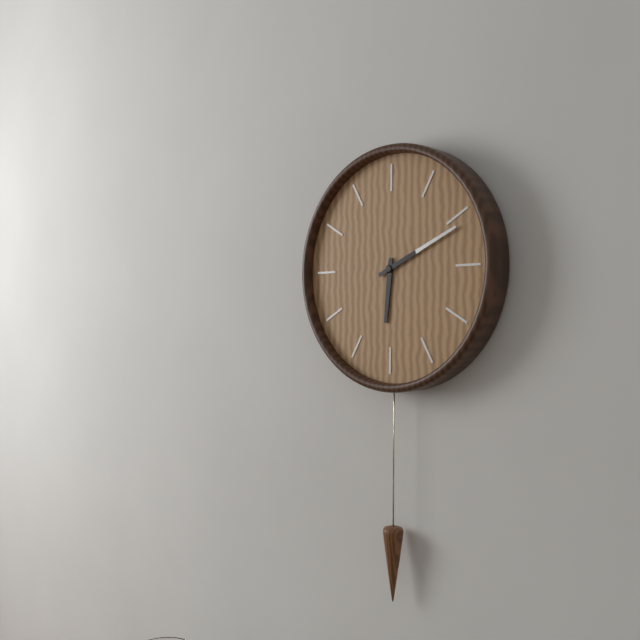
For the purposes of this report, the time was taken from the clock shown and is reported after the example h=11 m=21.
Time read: h=6 m=11
